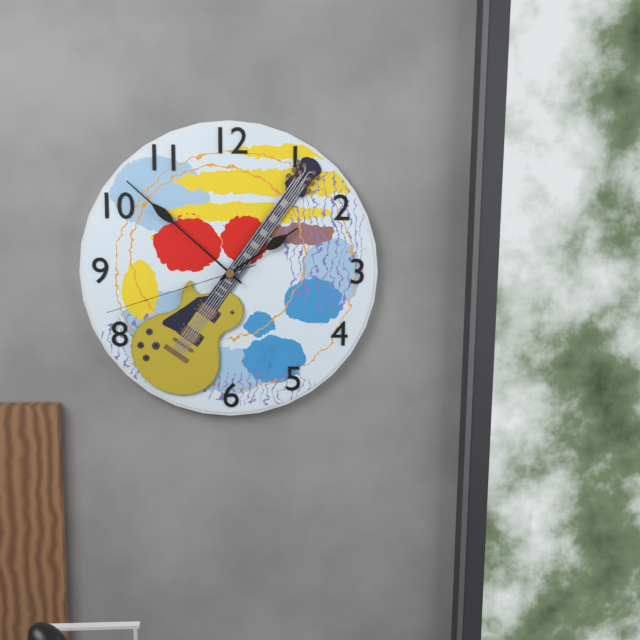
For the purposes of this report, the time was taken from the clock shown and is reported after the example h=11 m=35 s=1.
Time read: h=1 m=52 s=42
